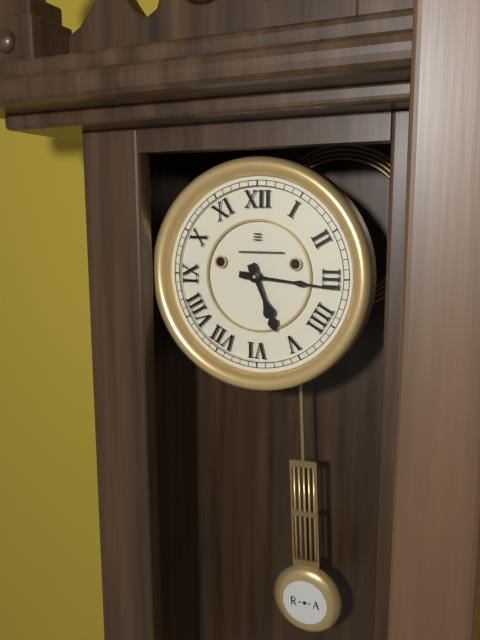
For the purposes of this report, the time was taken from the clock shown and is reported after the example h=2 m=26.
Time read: h=5 m=16
